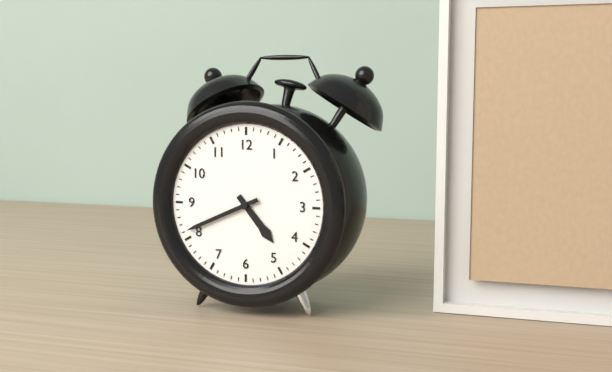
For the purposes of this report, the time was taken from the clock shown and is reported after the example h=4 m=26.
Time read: h=4 m=41
